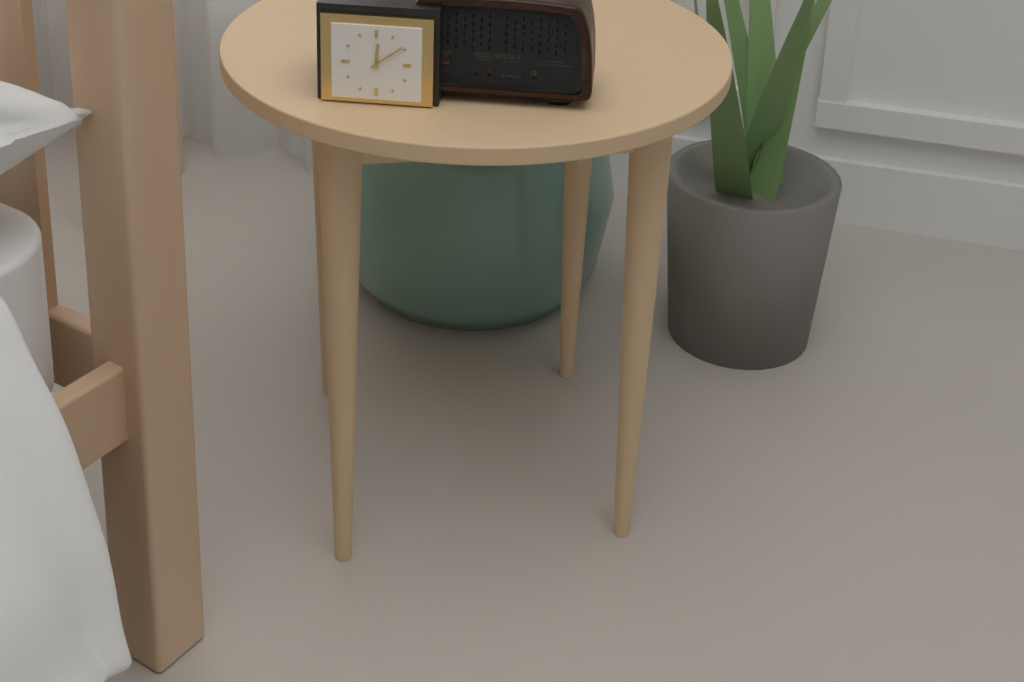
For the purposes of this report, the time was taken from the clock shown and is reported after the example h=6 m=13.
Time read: h=12 m=9
